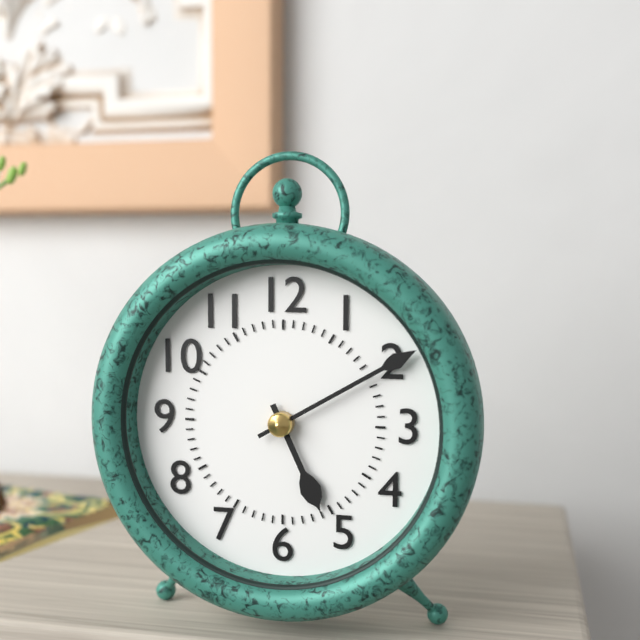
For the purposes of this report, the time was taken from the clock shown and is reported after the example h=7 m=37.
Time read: h=5 m=10
